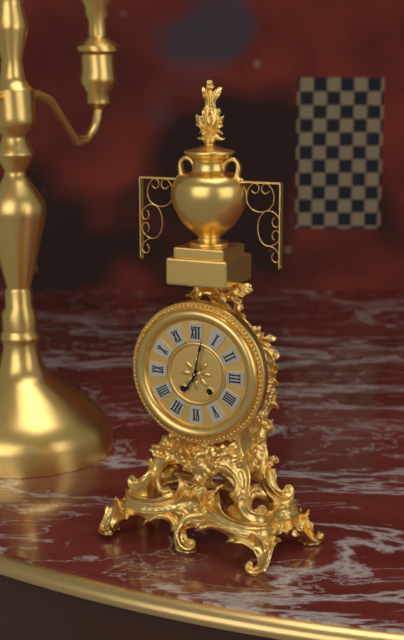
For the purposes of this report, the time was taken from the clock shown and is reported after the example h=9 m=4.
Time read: h=7 m=2
